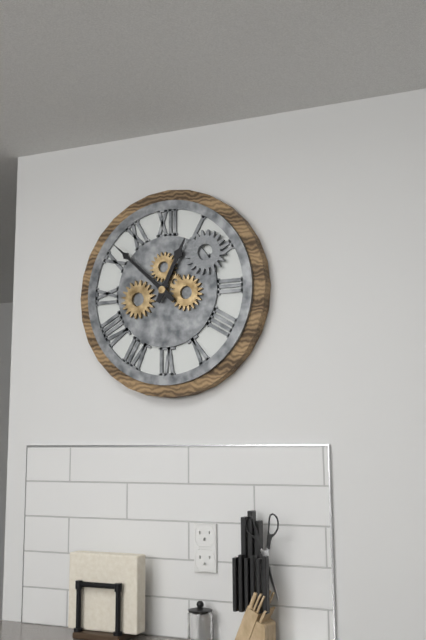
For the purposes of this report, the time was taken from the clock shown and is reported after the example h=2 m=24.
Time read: h=12 m=52
